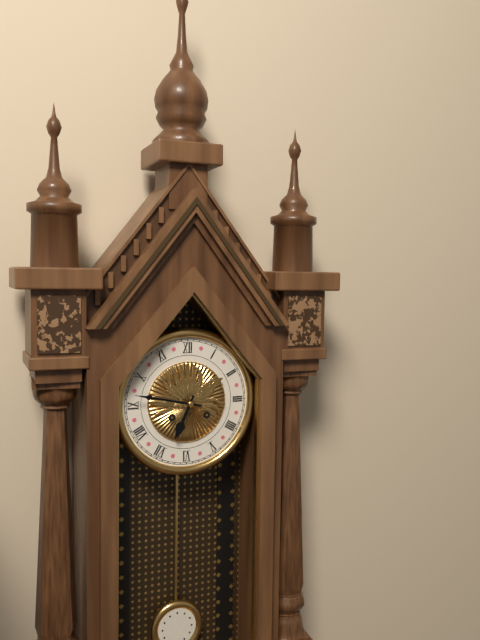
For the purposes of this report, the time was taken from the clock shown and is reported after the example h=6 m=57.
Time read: h=6 m=47
